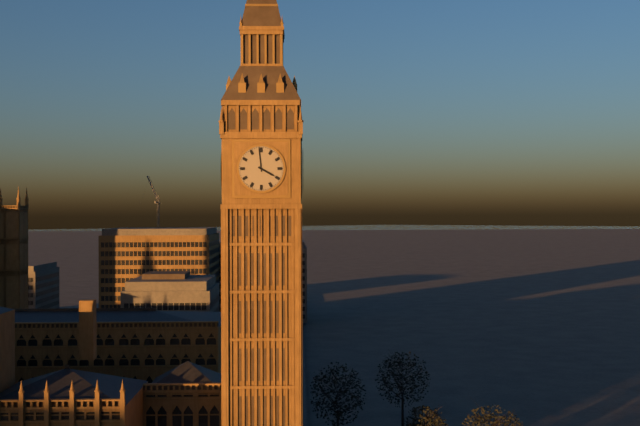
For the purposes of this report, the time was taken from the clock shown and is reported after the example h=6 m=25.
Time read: h=3 m=59
